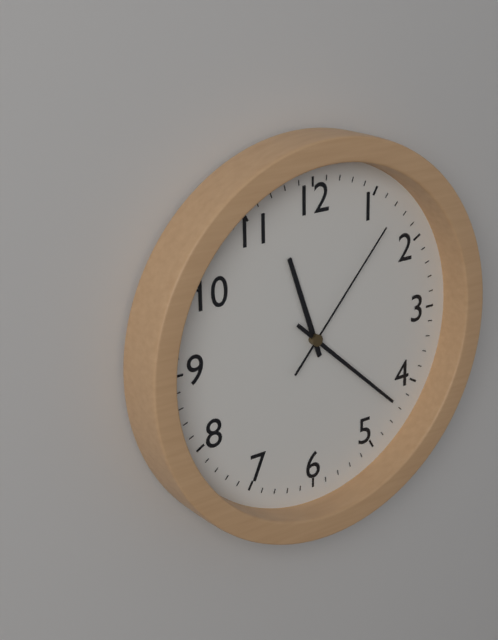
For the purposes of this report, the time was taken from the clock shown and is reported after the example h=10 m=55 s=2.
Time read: h=11 m=22 s=7
